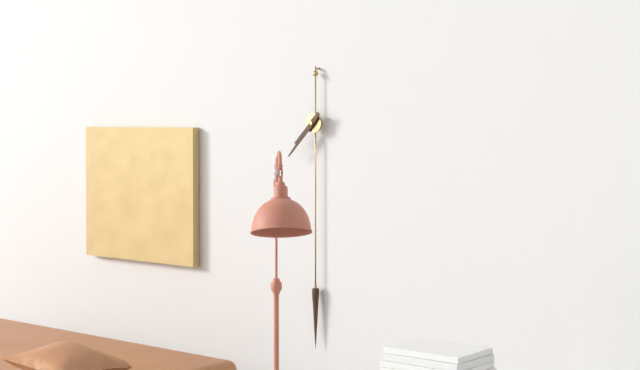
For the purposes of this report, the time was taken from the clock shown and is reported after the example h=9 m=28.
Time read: h=7 m=37
